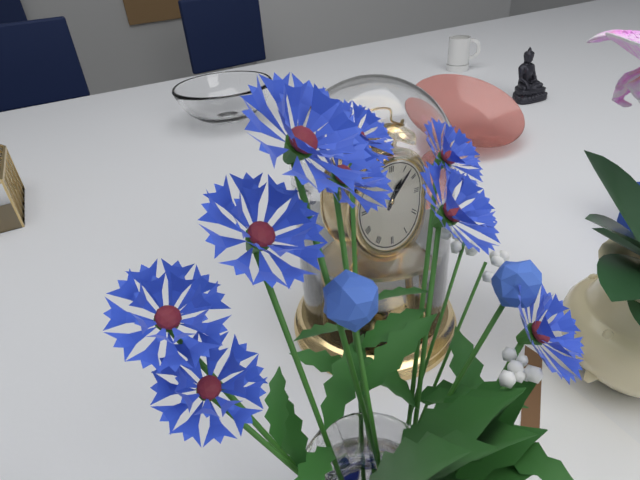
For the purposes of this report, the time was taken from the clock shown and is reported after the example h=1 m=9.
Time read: h=1 m=7
